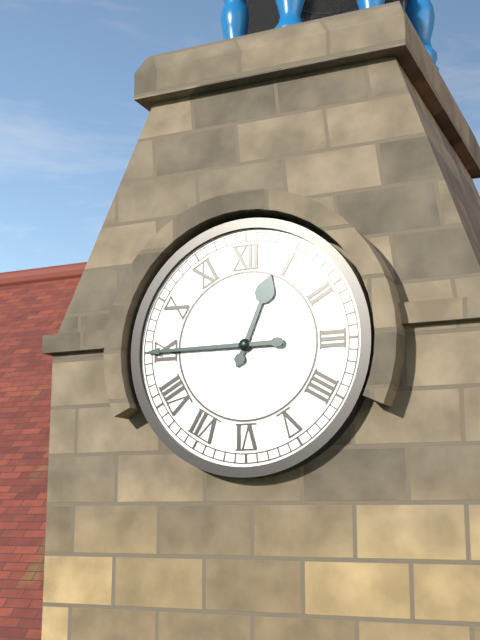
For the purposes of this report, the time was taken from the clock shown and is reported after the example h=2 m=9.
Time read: h=12 m=45
